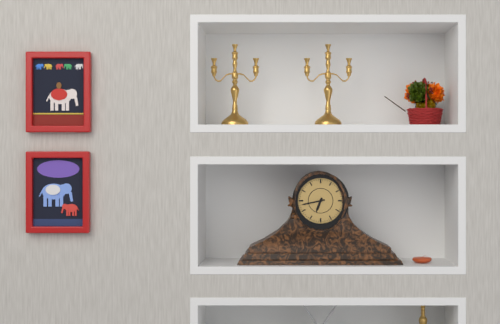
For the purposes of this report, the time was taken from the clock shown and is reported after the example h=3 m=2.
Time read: h=6 m=43
